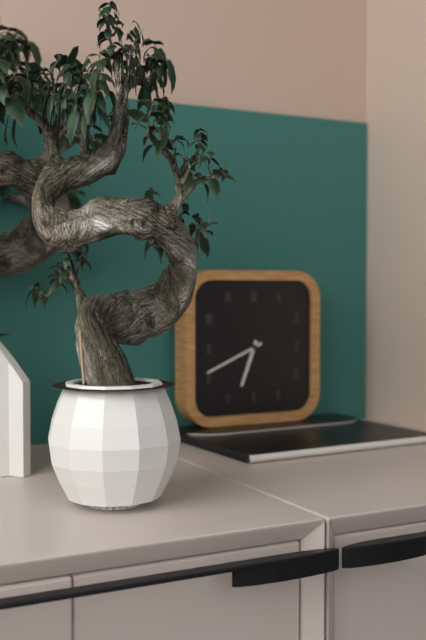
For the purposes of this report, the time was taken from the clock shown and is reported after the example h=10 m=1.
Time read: h=6 m=41
